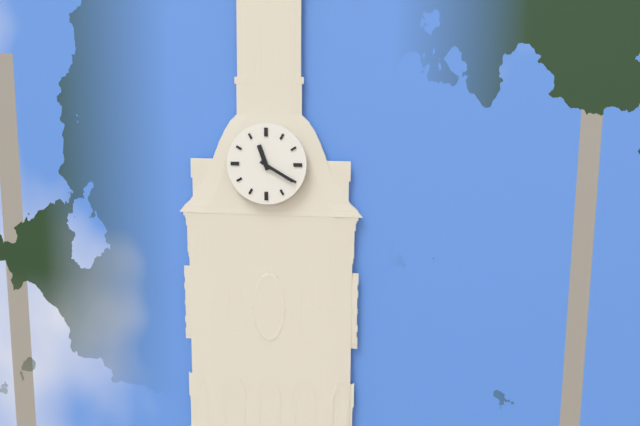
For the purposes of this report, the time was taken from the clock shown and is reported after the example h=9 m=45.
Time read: h=11 m=20
